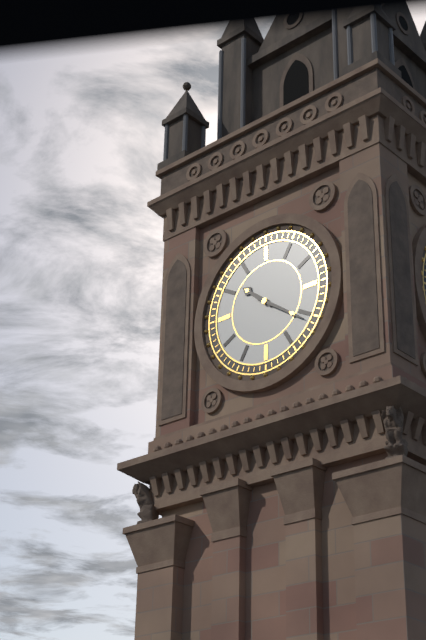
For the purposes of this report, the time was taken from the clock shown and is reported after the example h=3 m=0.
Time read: h=10 m=21
